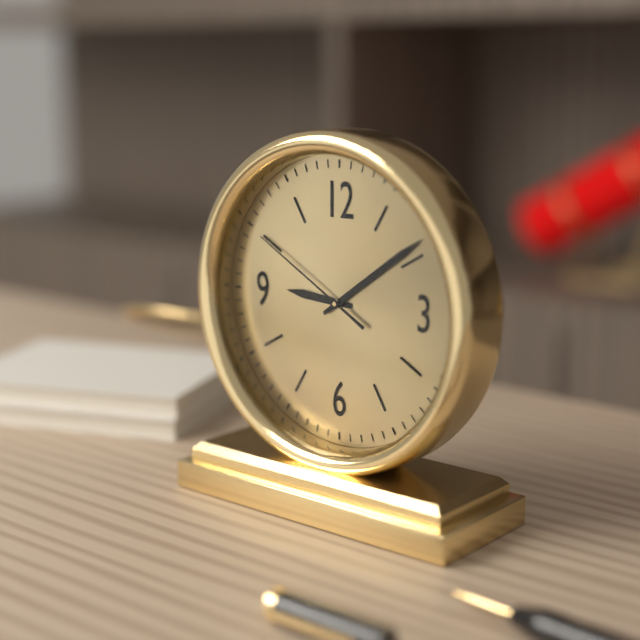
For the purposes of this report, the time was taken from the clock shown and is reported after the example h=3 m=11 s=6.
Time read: h=9 m=9 s=50
